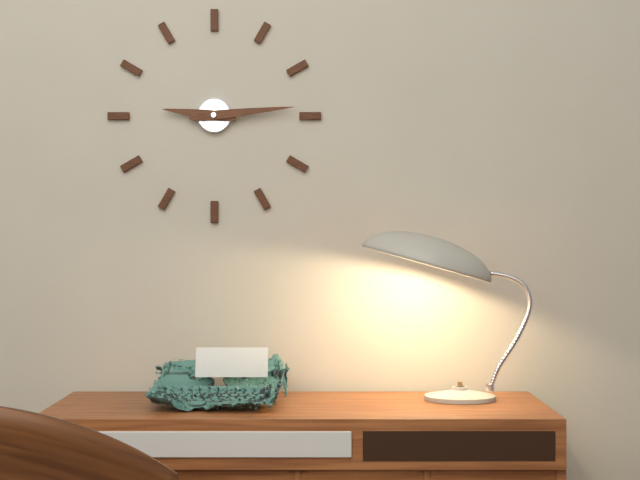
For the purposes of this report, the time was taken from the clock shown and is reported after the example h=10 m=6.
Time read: h=9 m=14
